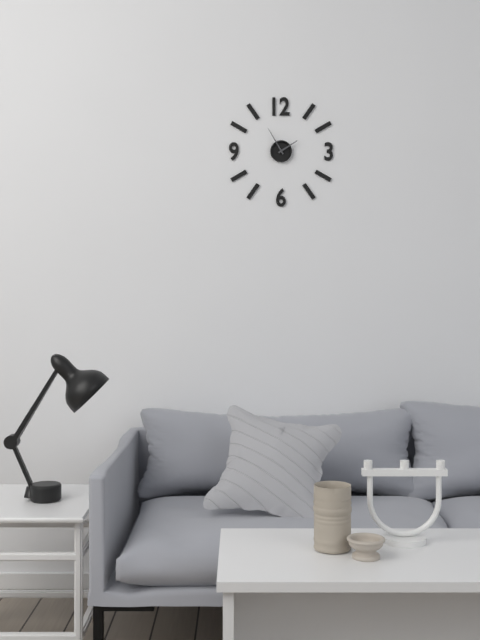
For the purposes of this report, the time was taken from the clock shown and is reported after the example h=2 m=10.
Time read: h=1 m=55
